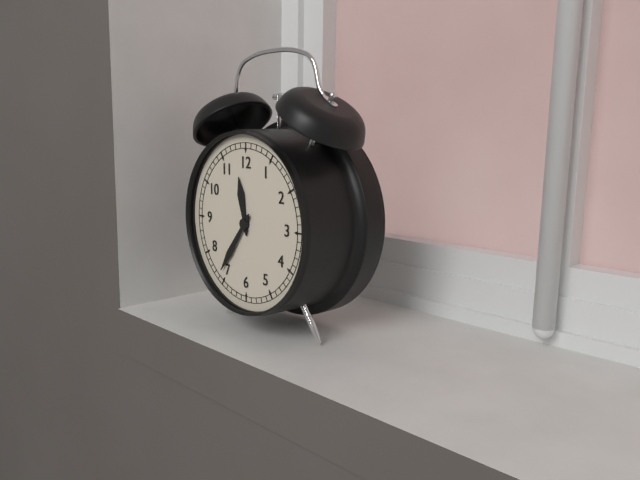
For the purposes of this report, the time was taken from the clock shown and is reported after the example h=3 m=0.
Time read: h=11 m=36
